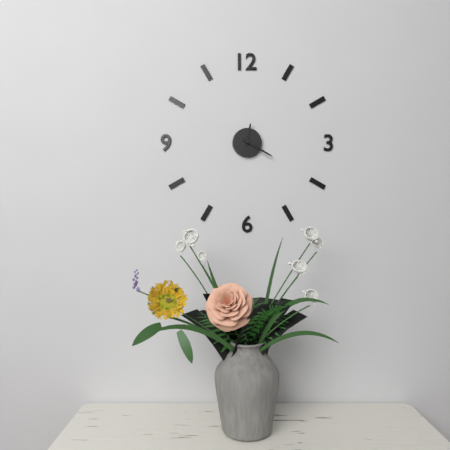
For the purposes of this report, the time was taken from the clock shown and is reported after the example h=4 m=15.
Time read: h=12 m=20
